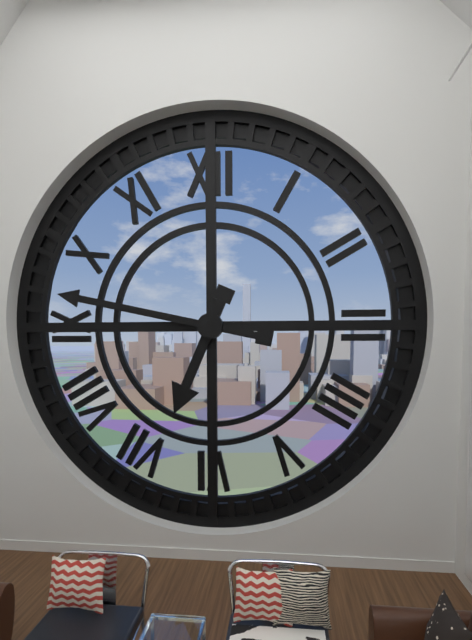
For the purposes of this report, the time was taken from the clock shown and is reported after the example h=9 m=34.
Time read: h=6 m=47
